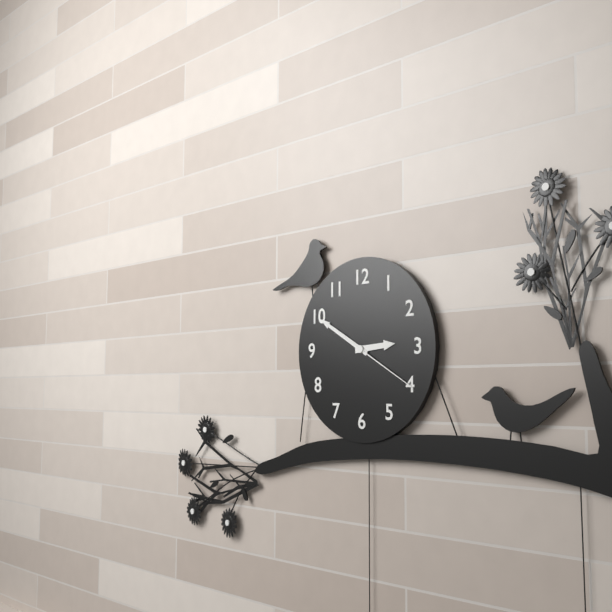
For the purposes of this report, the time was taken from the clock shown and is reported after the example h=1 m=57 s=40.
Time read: h=2 m=50 s=20
